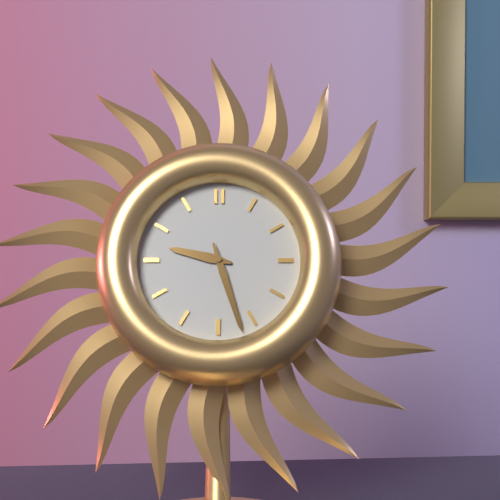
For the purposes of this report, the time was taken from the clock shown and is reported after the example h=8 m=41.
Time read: h=9 m=27
